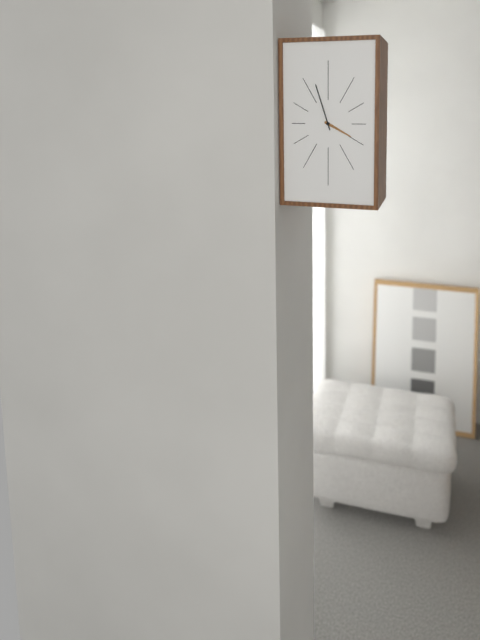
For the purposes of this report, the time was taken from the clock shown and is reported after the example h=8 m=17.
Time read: h=3 m=57
